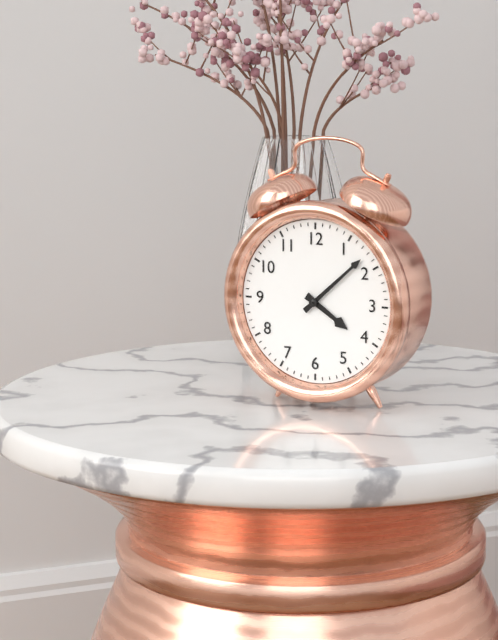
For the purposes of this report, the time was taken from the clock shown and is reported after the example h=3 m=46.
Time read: h=4 m=8
